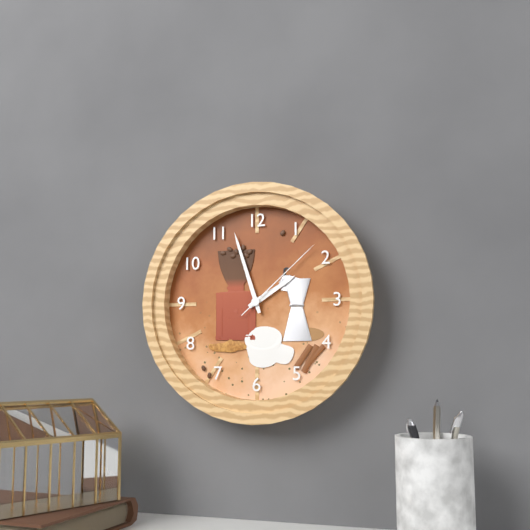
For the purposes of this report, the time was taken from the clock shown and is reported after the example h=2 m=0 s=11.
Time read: h=1 m=57 s=8
